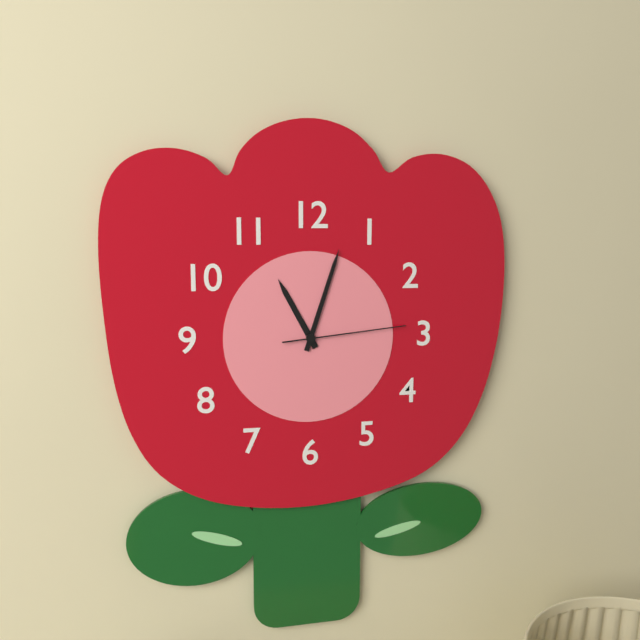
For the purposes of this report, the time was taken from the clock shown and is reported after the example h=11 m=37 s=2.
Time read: h=11 m=3 s=14
